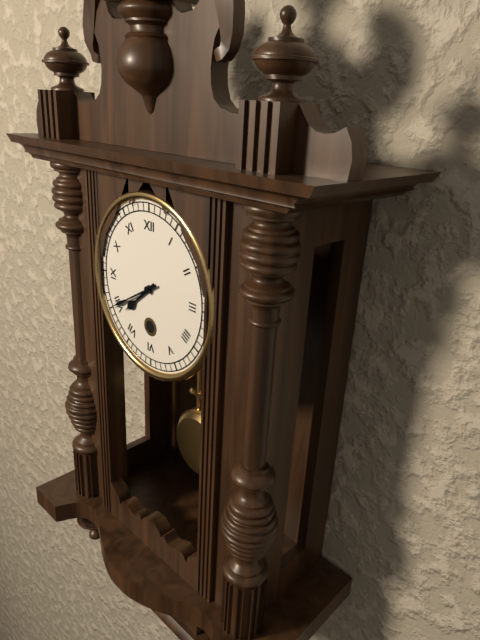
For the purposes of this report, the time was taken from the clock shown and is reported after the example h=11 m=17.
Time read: h=7 m=40
